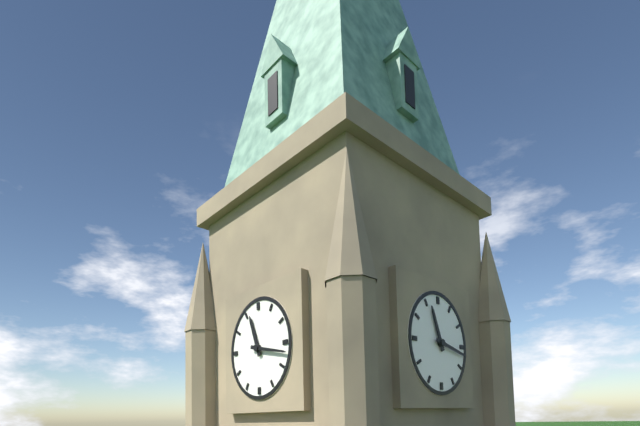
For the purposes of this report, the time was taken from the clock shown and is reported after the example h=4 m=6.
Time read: h=11 m=17
